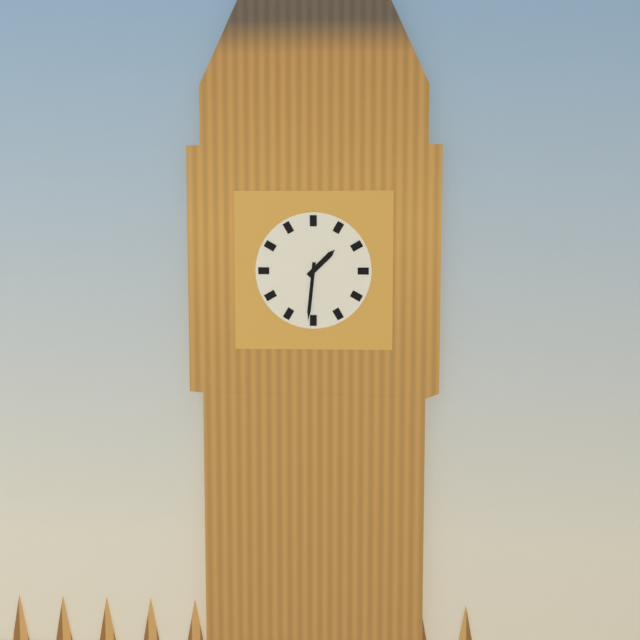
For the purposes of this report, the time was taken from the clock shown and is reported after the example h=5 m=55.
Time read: h=1 m=31
